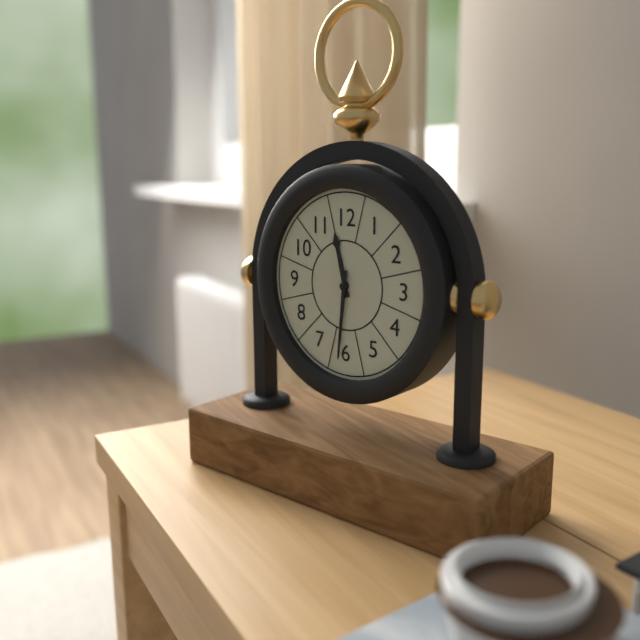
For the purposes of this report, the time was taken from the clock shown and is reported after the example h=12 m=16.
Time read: h=11 m=31
